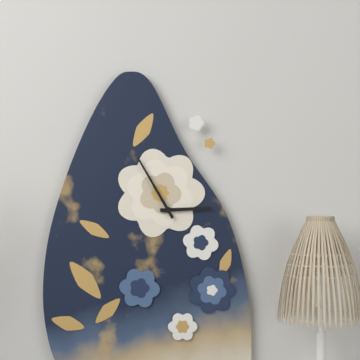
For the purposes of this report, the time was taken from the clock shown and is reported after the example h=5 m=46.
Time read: h=2 m=55
